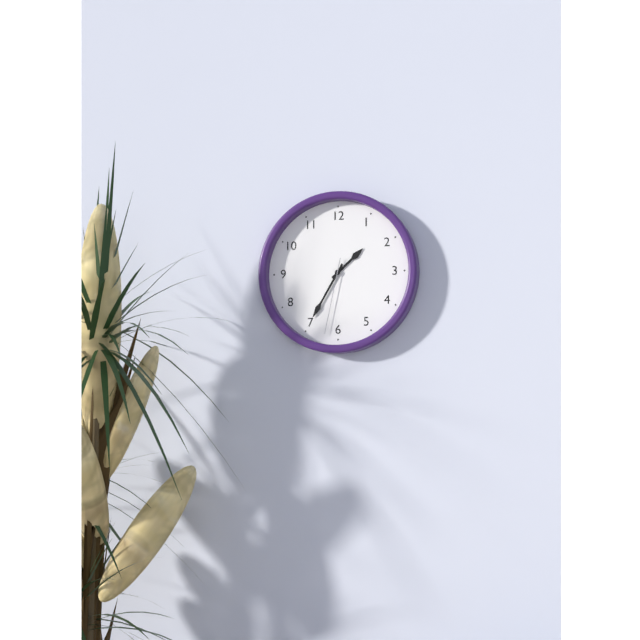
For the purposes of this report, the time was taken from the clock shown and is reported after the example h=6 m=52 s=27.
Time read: h=1 m=35 s=32
